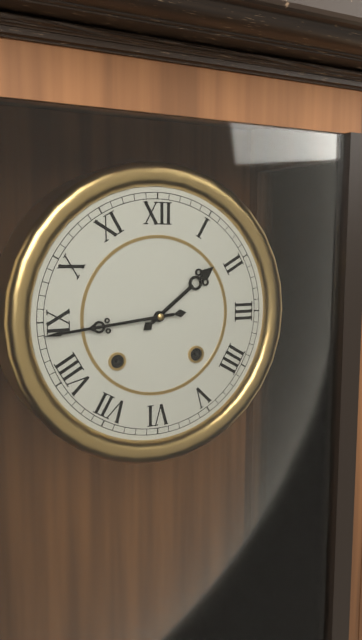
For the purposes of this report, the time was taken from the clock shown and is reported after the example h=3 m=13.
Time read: h=1 m=44
